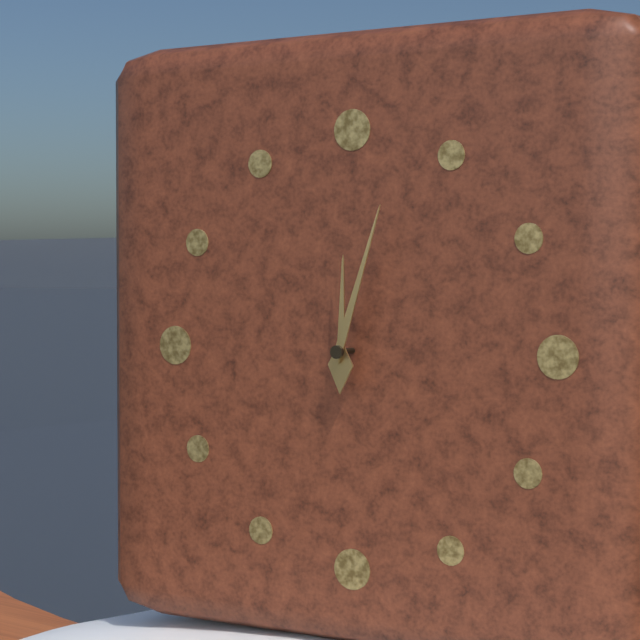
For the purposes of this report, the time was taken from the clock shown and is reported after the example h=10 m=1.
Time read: h=12 m=3
